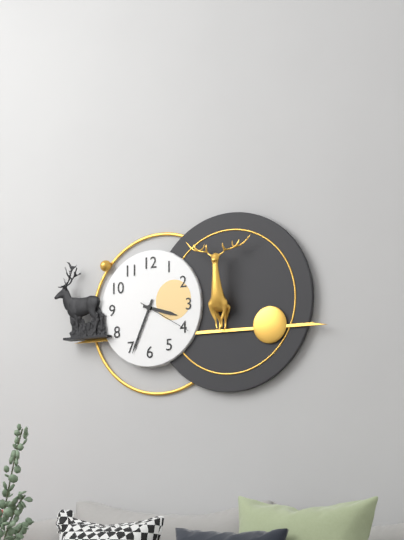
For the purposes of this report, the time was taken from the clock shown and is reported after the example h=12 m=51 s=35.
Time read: h=3 m=34 s=20
